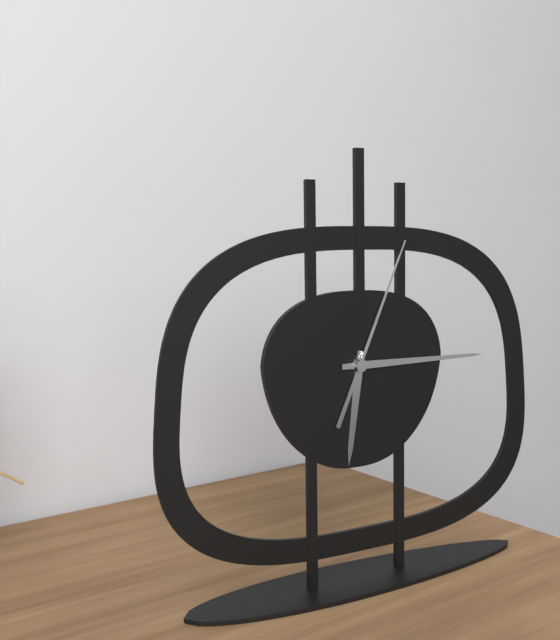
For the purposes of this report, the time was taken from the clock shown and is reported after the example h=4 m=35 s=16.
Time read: h=6 m=15 s=4
